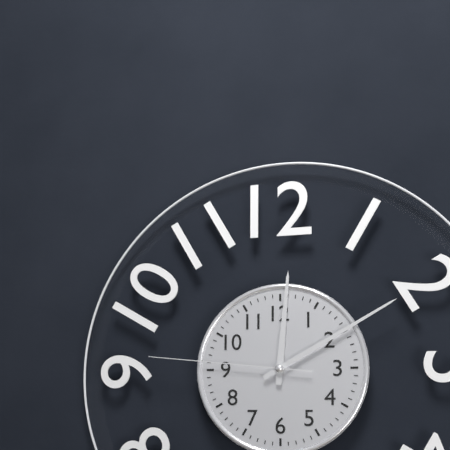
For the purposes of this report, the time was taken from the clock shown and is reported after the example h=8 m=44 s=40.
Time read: h=12 m=10 s=46
